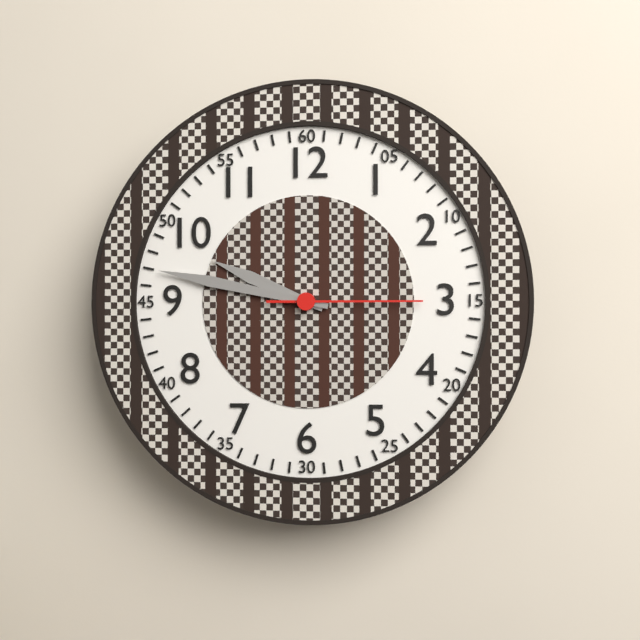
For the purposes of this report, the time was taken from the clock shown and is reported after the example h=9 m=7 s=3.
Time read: h=9 m=47 s=15
